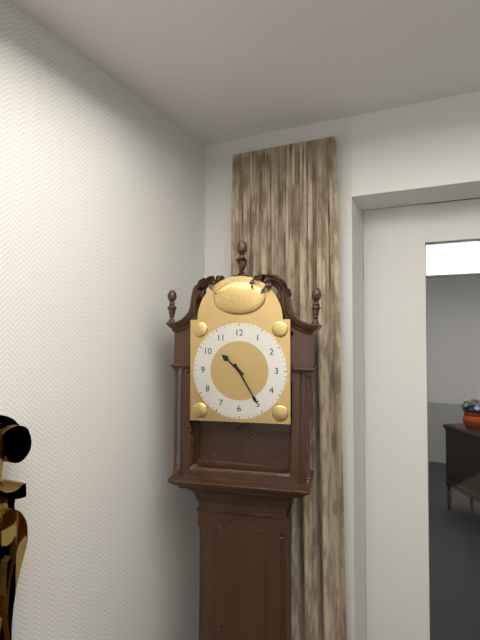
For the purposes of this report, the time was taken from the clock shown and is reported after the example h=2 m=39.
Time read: h=10 m=25
